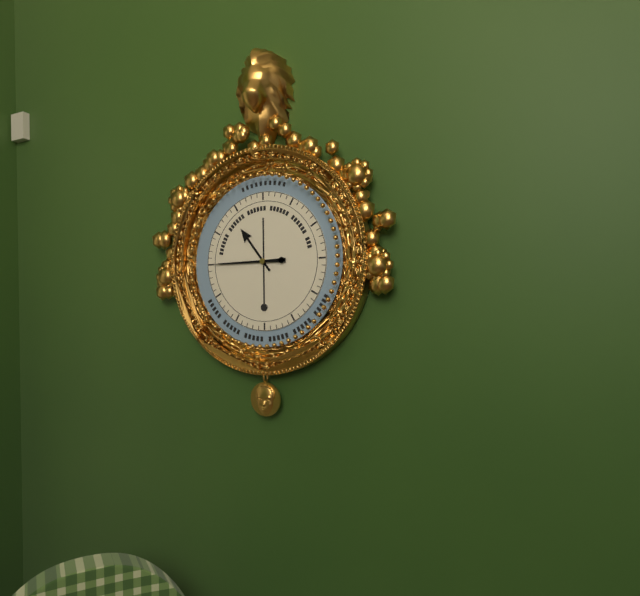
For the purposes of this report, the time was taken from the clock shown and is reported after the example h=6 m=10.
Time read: h=10 m=45
